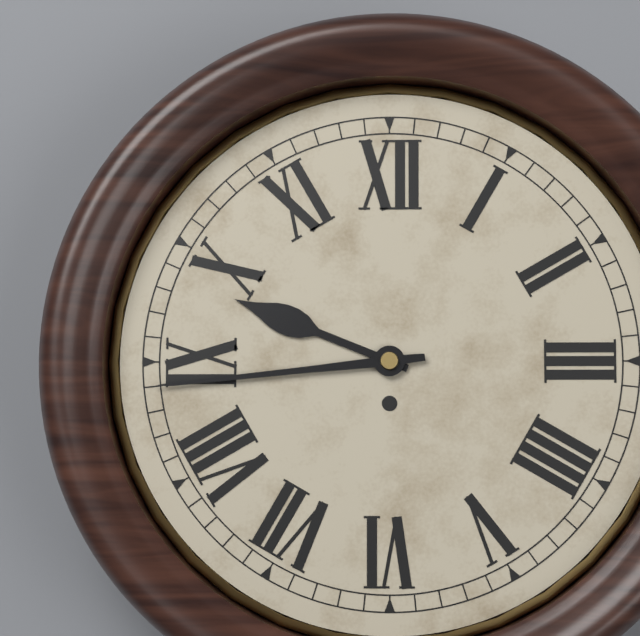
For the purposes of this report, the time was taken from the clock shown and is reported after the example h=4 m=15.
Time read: h=9 m=44
